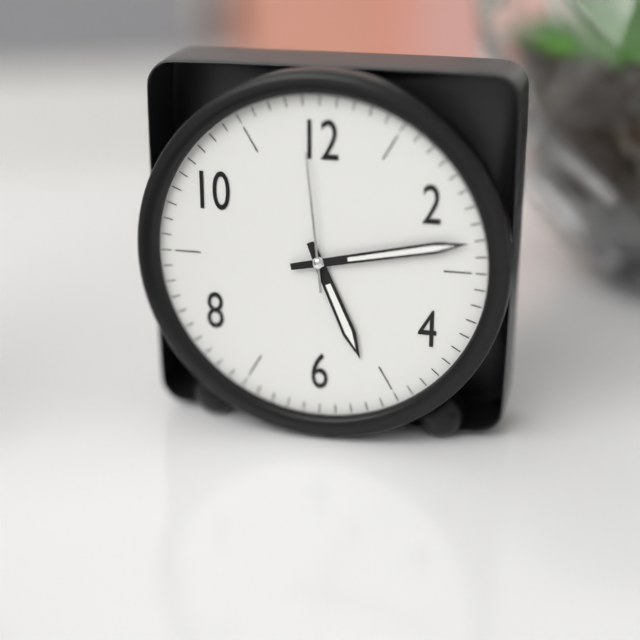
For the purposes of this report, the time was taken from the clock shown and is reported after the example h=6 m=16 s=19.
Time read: h=5 m=13 s=59
